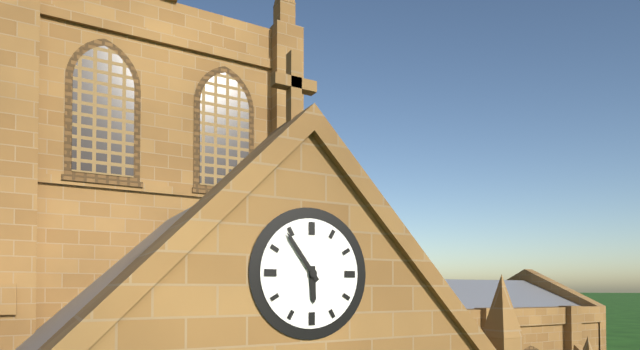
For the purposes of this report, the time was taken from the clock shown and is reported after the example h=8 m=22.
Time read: h=5 m=54
